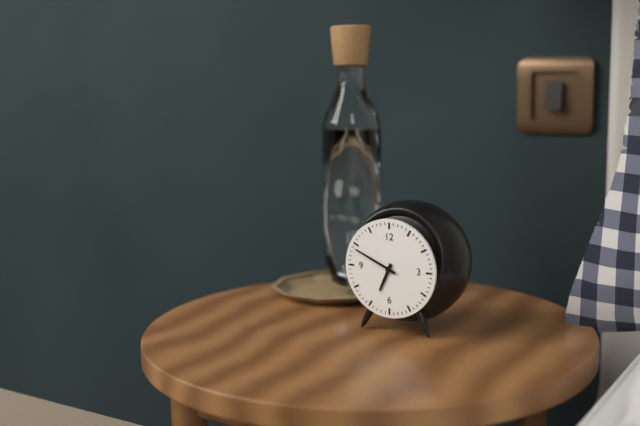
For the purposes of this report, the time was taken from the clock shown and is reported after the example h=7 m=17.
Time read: h=6 m=49
